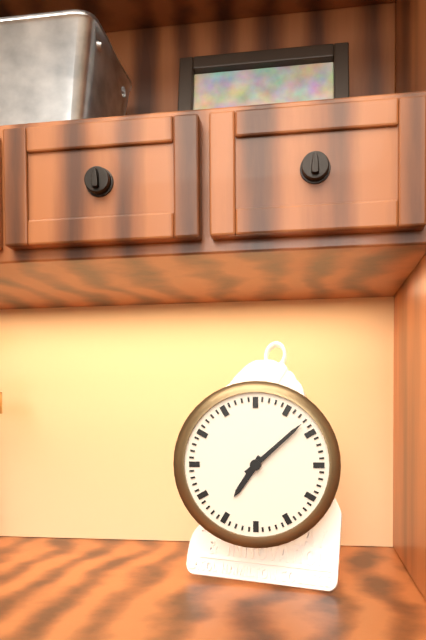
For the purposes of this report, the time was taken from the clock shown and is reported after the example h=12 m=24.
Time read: h=7 m=8
